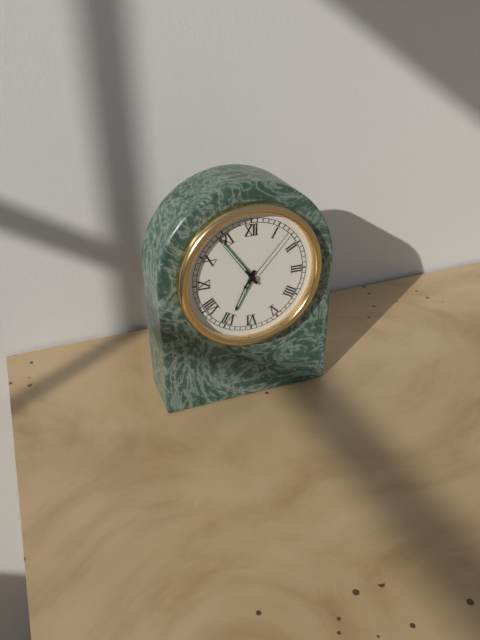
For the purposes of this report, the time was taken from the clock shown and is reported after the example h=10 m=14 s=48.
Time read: h=6 m=54 s=7
